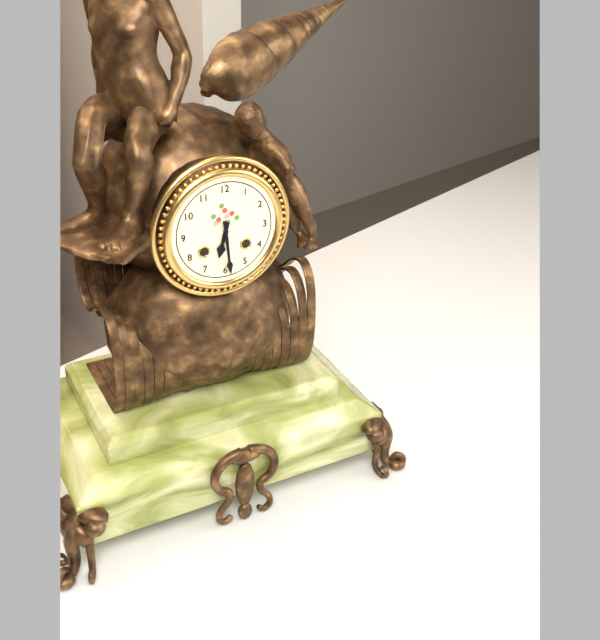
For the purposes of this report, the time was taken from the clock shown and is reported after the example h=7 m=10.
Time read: h=6 m=29
